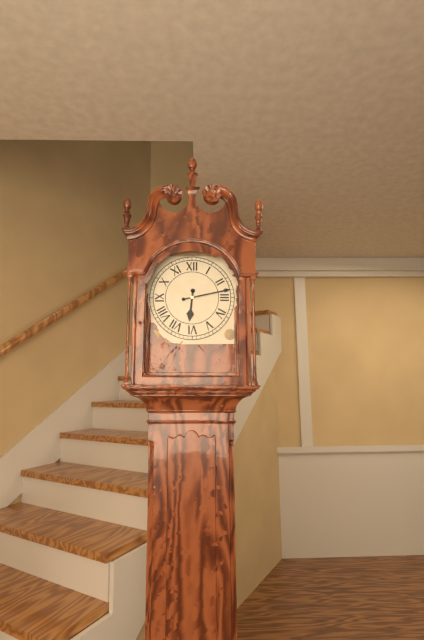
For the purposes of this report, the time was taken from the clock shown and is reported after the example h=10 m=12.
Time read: h=6 m=13
